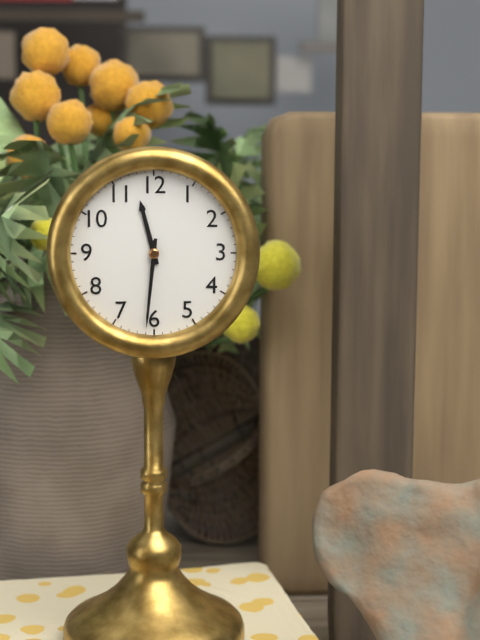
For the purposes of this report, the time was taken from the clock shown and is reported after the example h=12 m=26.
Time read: h=11 m=31
